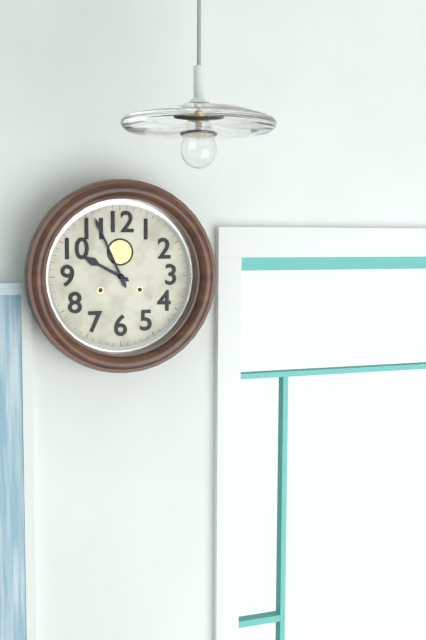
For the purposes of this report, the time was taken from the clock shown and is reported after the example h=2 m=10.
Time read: h=9 m=56
